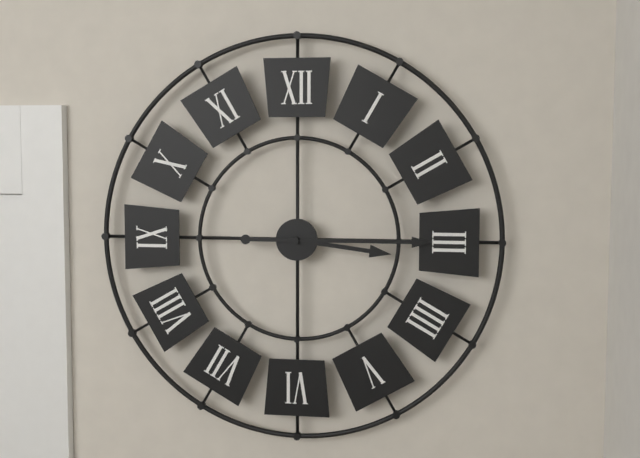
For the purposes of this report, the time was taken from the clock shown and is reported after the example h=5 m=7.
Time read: h=3 m=15
